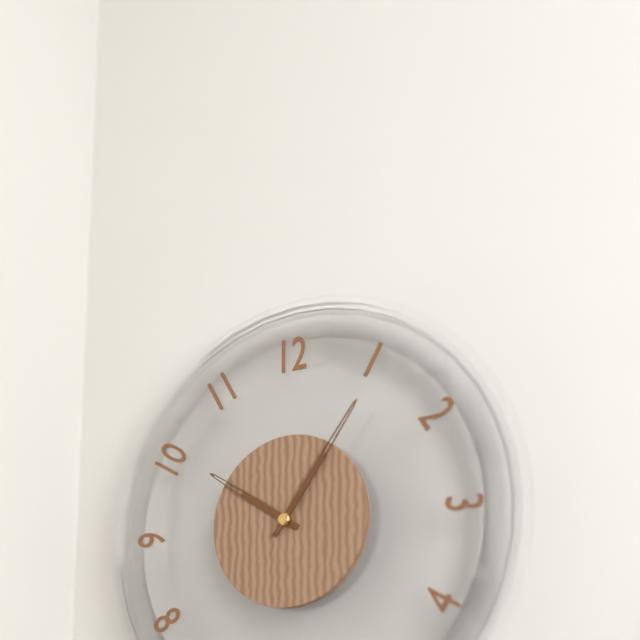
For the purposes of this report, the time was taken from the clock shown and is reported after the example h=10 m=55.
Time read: h=10 m=6
